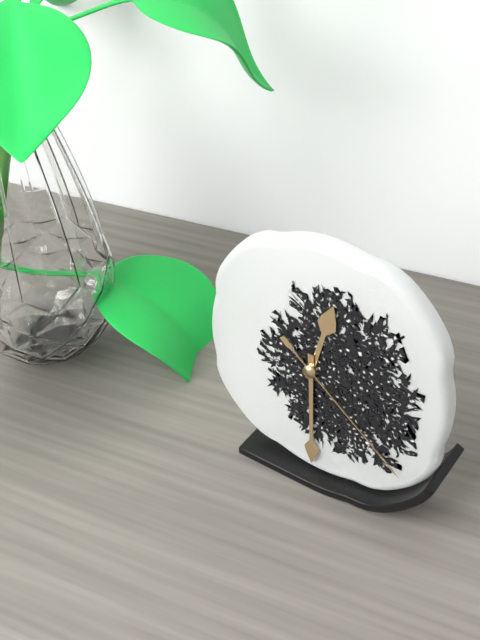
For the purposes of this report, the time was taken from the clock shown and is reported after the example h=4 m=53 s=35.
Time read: h=12 m=30 s=22
